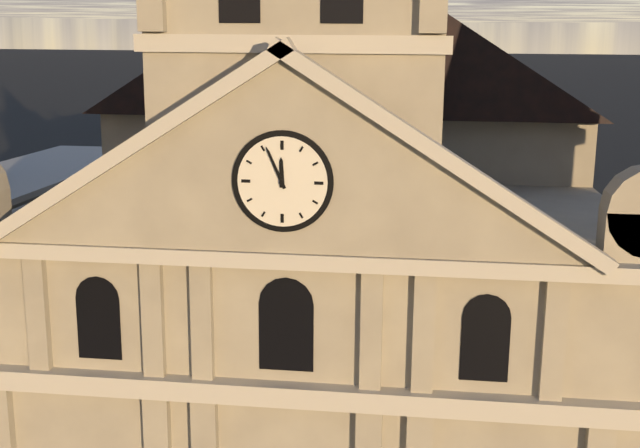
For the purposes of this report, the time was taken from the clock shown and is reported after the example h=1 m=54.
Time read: h=11 m=56
